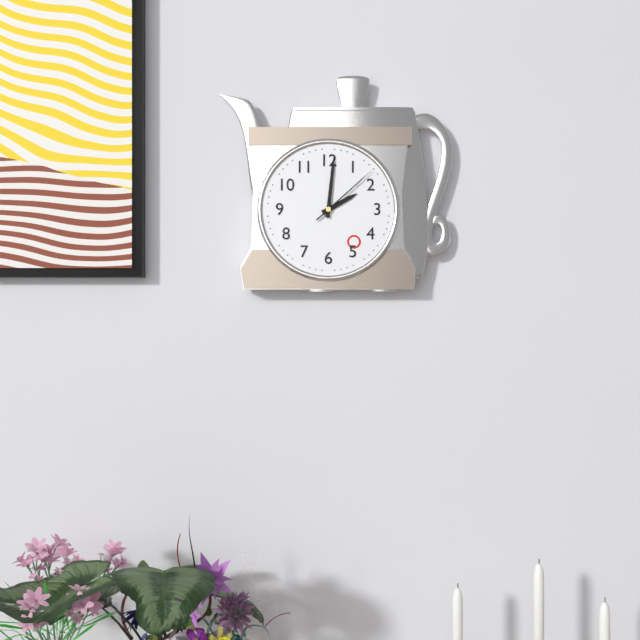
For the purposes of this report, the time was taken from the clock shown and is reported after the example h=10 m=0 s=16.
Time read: h=2 m=1 s=8
